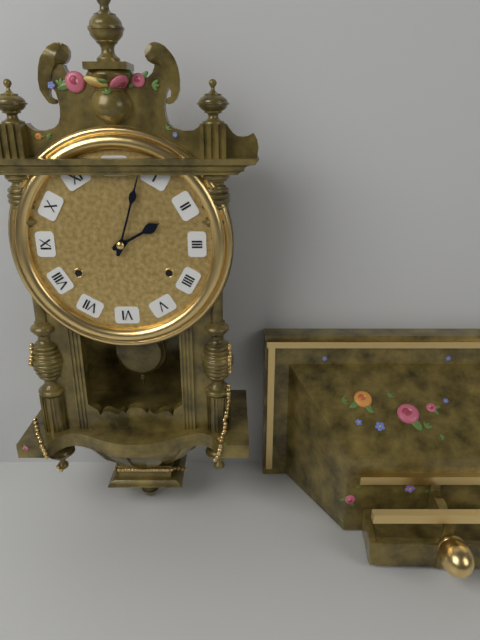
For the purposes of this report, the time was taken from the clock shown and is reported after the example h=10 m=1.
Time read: h=2 m=3
